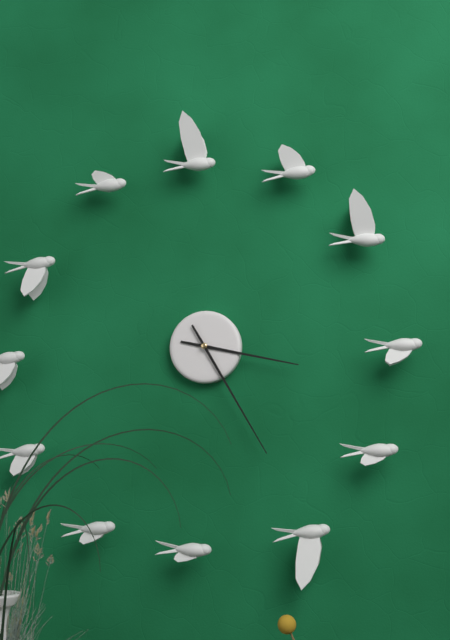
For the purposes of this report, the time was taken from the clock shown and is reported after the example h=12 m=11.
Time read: h=3 m=25
